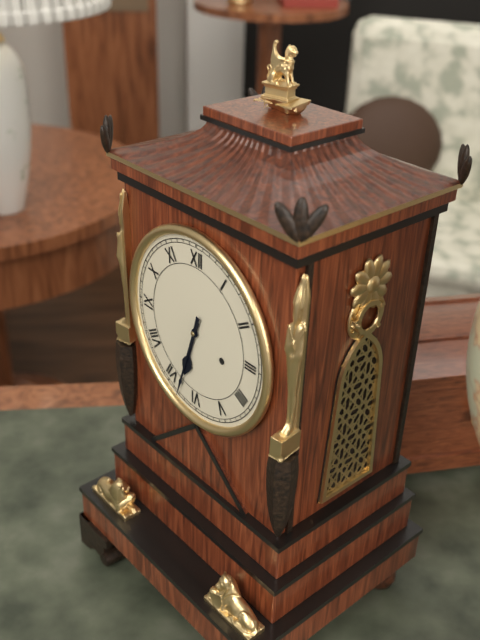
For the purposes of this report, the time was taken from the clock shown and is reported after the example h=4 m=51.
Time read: h=6 m=33
